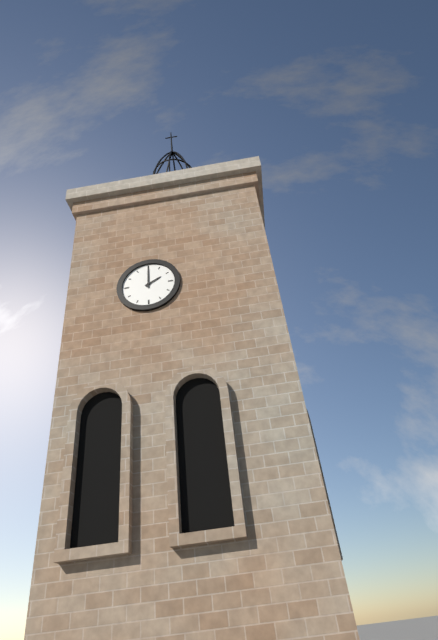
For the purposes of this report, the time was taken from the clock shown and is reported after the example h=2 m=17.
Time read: h=2 m=0
